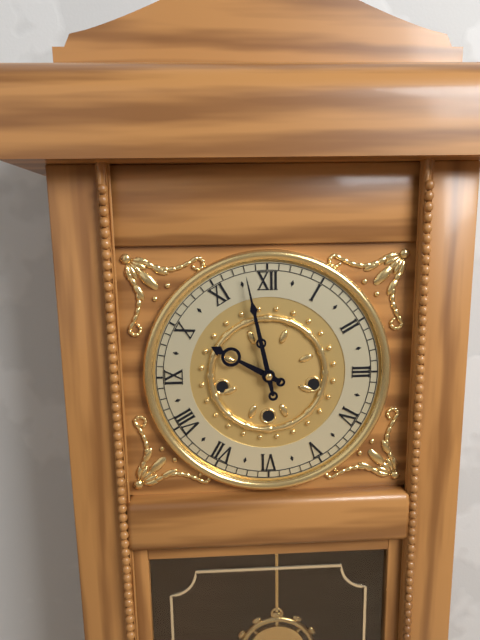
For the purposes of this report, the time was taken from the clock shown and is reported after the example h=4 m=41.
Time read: h=9 m=58
